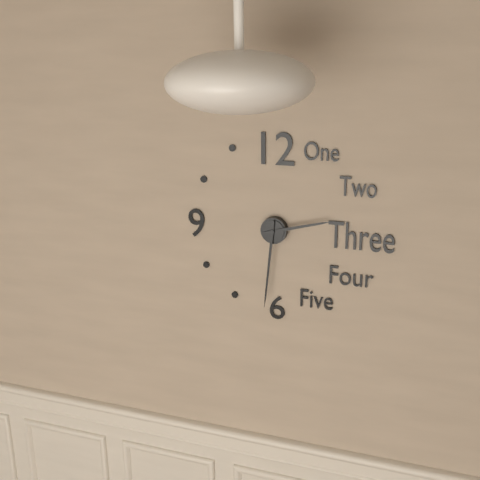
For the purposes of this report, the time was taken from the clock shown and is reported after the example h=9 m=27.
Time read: h=2 m=31
